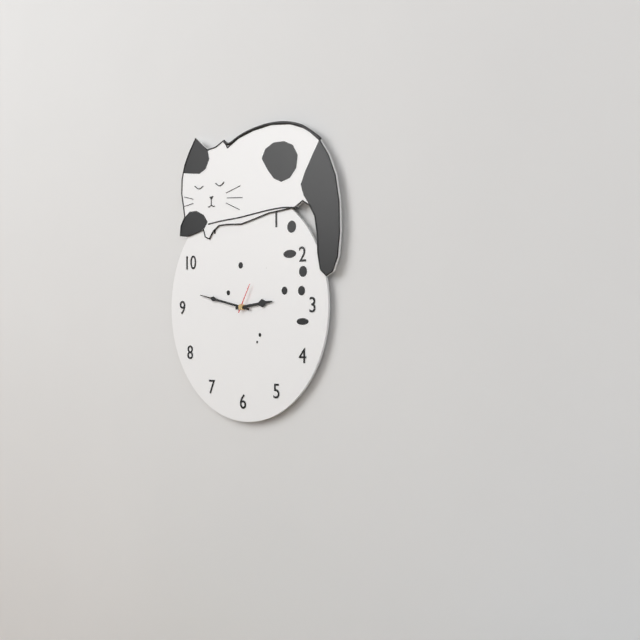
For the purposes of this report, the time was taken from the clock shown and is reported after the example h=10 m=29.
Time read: h=2 m=47
